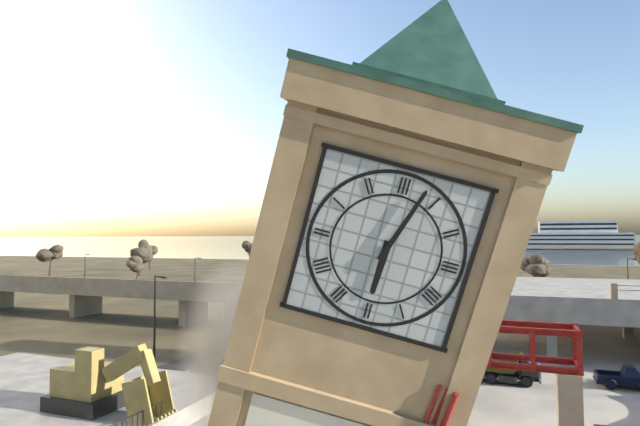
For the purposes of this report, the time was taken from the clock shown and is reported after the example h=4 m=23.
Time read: h=6 m=3
